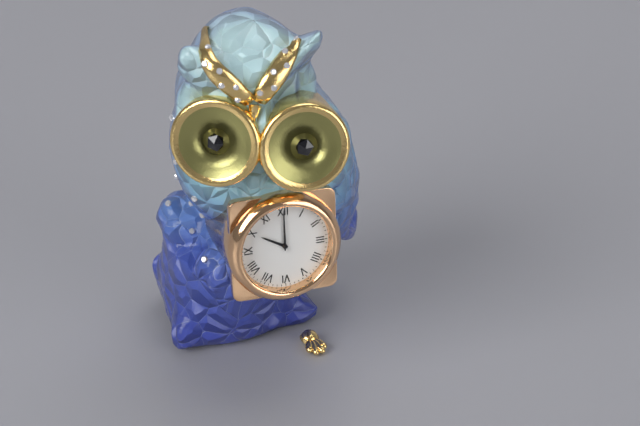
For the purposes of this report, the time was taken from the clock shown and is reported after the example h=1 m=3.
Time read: h=10 m=0
